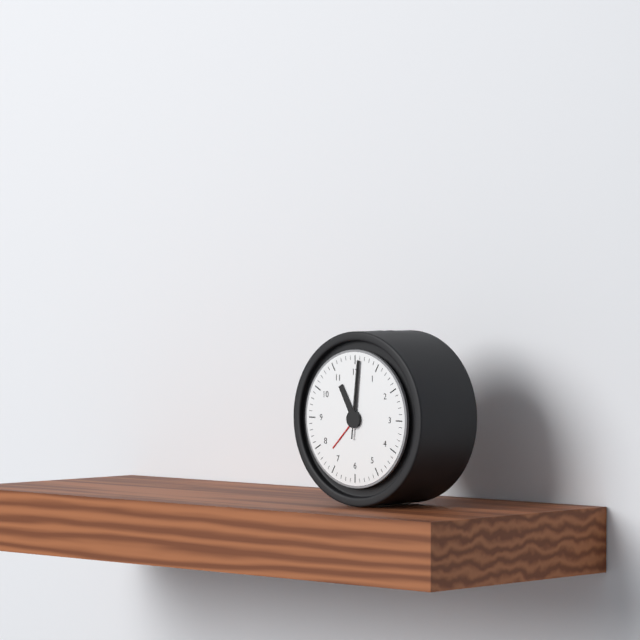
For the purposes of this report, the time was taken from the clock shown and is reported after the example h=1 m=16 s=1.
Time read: h=11 m=1 s=1
